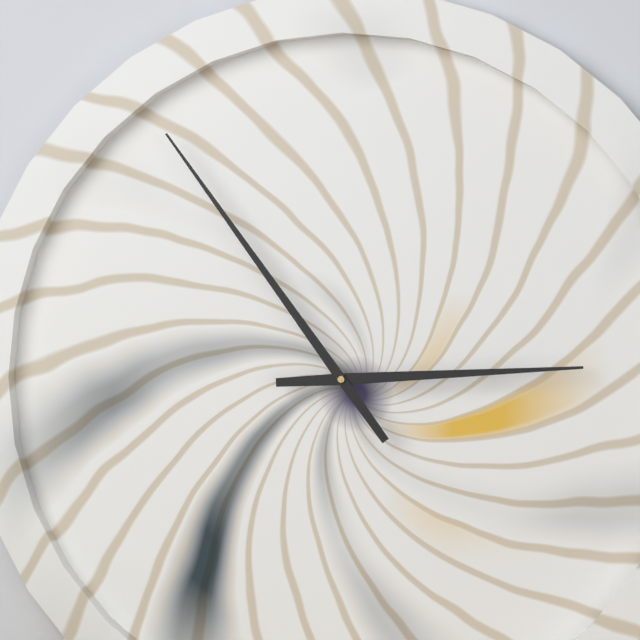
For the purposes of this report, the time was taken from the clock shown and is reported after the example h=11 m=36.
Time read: h=2 m=54
